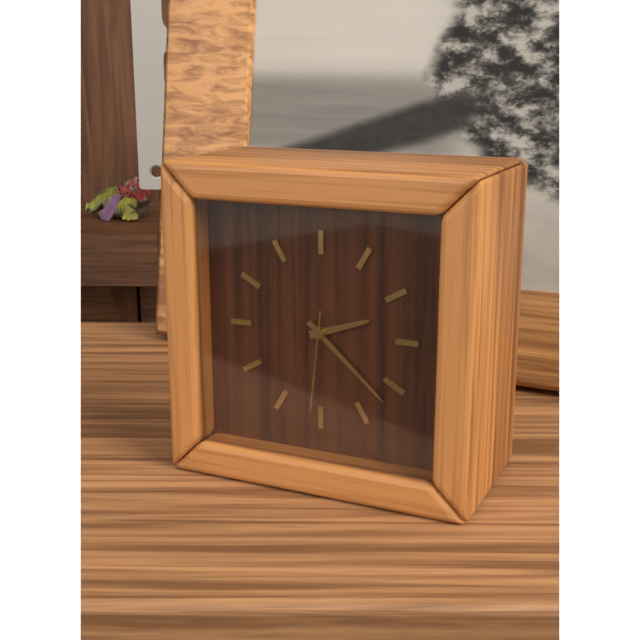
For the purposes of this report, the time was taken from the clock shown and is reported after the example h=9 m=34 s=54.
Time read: h=2 m=22 s=31
